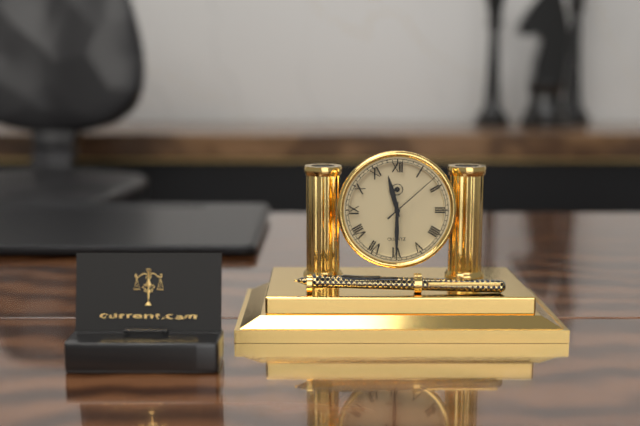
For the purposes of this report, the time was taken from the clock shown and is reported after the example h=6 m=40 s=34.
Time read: h=11 m=30 s=8
